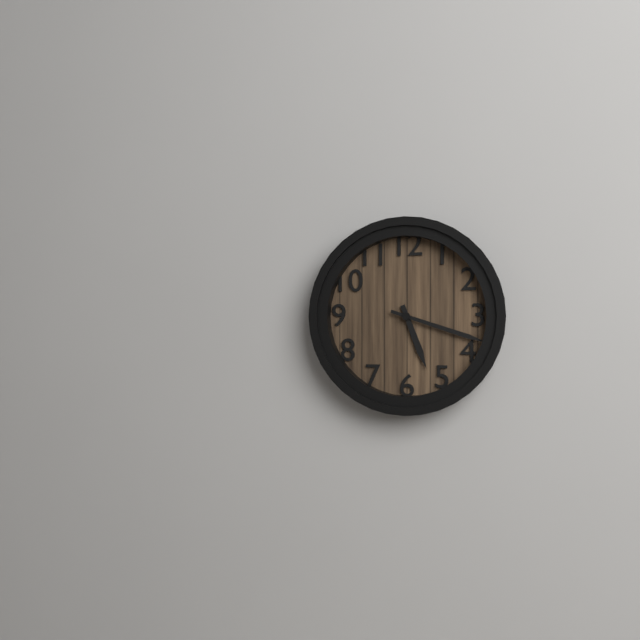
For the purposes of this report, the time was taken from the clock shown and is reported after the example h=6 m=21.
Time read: h=5 m=18
